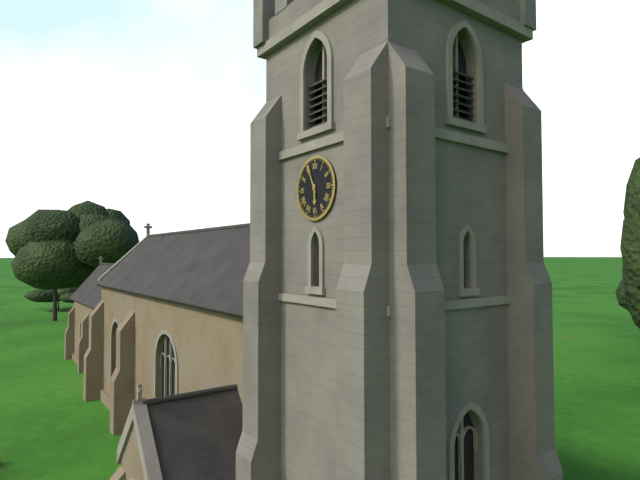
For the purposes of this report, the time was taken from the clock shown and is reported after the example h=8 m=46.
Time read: h=5 m=56
